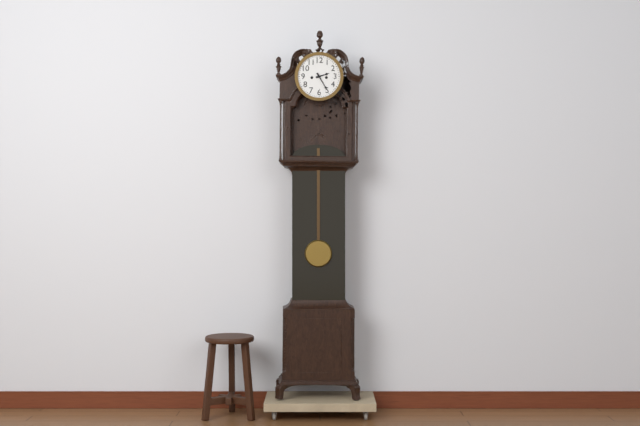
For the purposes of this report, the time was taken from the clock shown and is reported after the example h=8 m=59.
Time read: h=2 m=25
